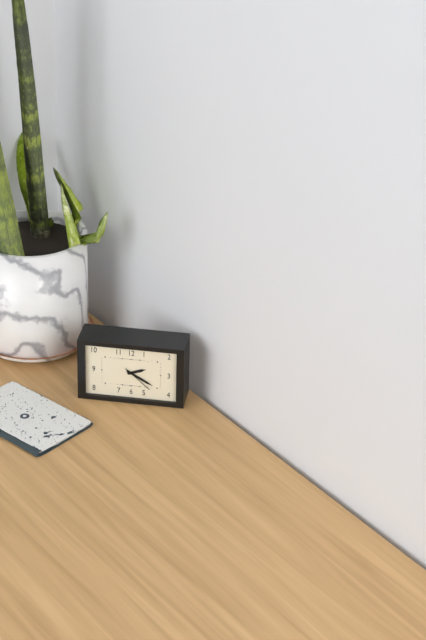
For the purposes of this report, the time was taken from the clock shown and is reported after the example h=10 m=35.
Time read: h=2 m=20
